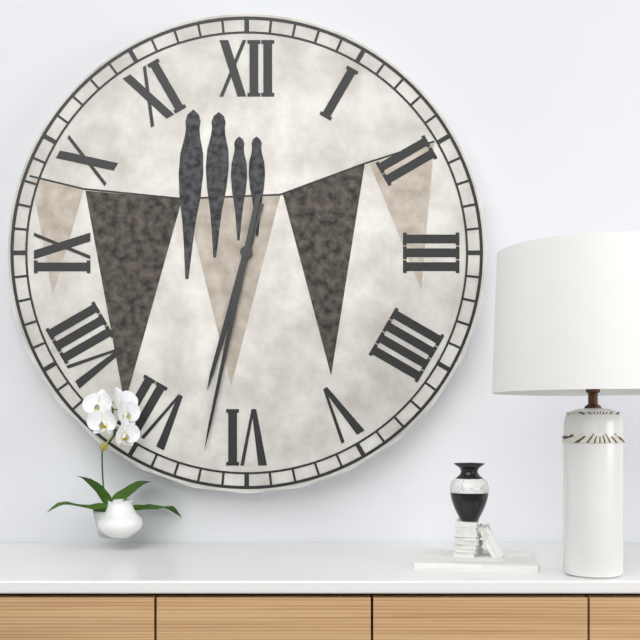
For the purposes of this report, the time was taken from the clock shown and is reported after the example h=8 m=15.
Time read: h=6 m=32
